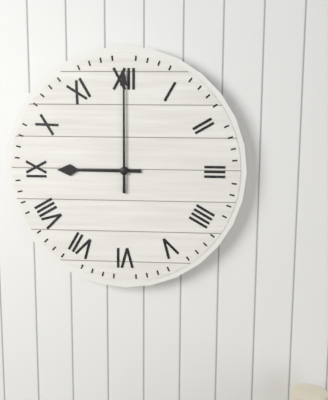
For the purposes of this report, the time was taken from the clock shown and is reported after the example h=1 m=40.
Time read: h=9 m=0
